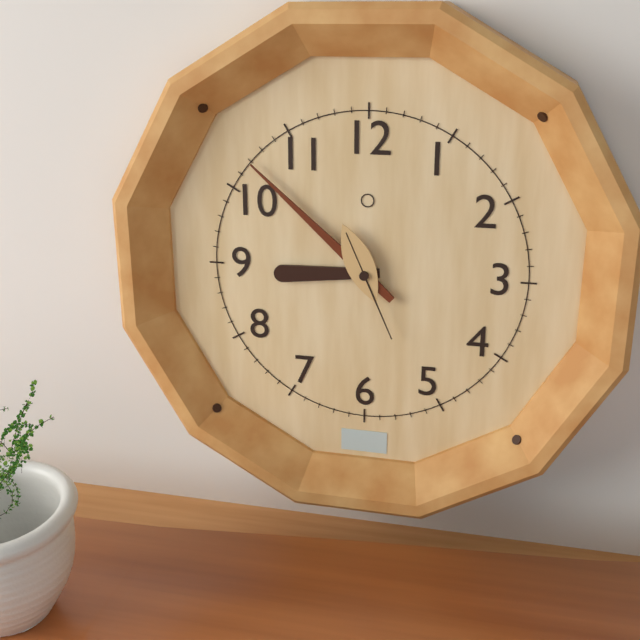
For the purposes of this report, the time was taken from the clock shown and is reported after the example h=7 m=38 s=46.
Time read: h=8 m=52 s=26
